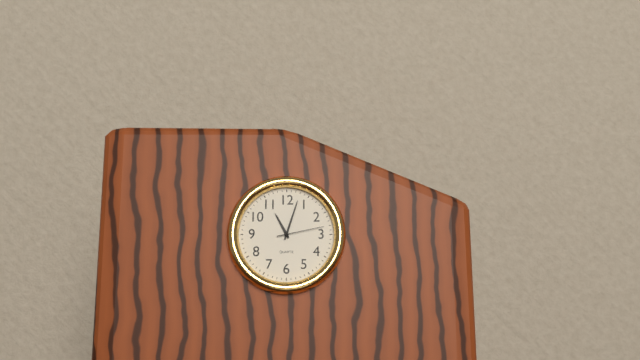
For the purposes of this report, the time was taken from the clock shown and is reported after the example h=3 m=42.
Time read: h=11 m=3
